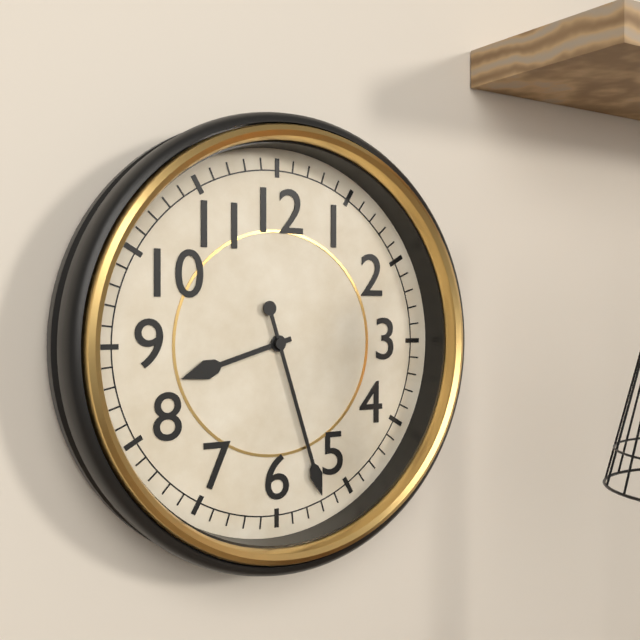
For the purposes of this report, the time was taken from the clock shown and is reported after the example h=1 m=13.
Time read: h=8 m=27
